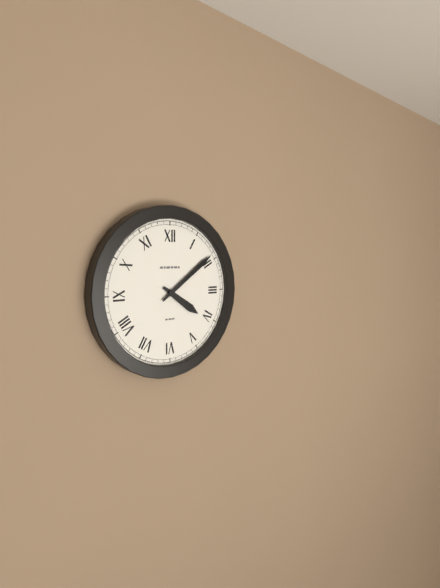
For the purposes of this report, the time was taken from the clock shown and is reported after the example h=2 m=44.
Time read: h=4 m=9
